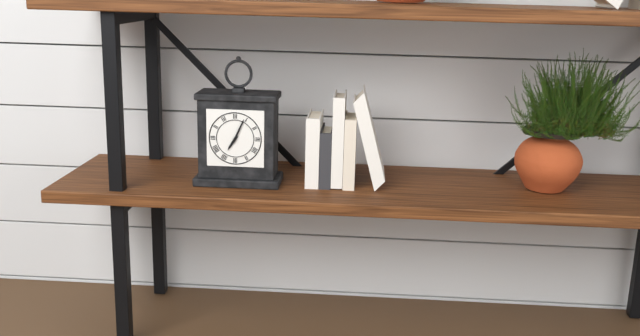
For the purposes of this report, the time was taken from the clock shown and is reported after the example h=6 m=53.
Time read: h=7 m=4
